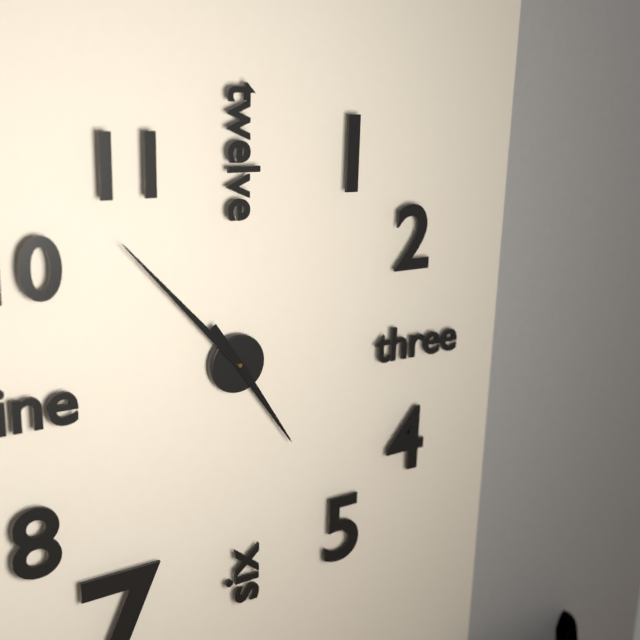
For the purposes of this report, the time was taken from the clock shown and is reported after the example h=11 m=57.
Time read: h=4 m=53
